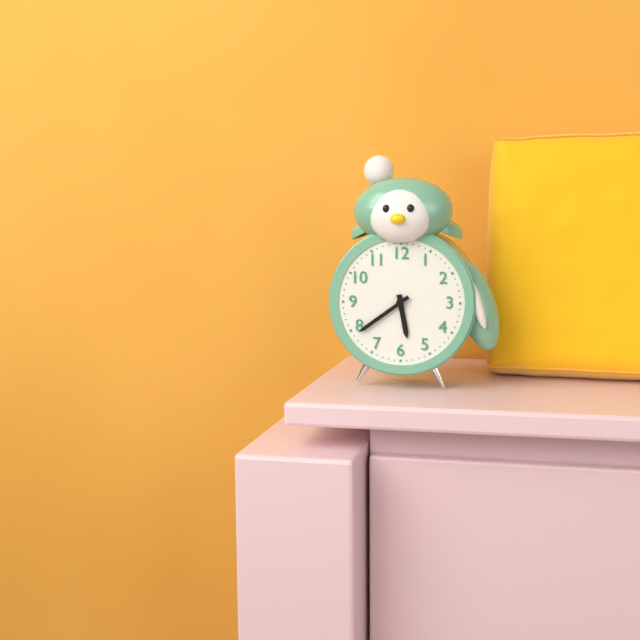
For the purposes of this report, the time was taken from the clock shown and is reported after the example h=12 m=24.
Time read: h=5 m=39
